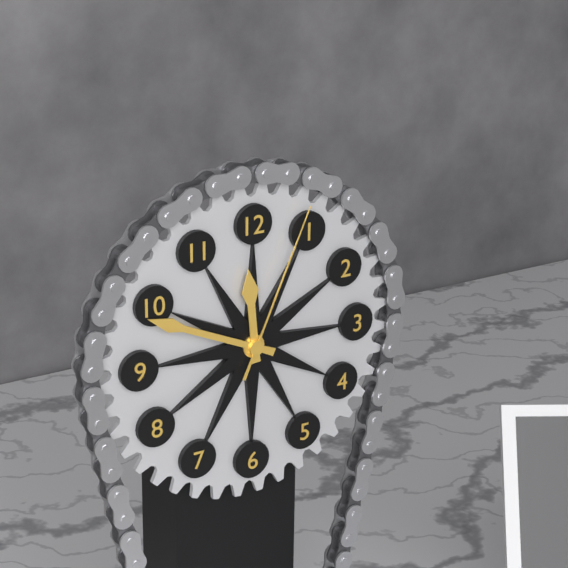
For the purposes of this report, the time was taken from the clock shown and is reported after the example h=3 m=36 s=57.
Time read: h=11 m=49 s=4
